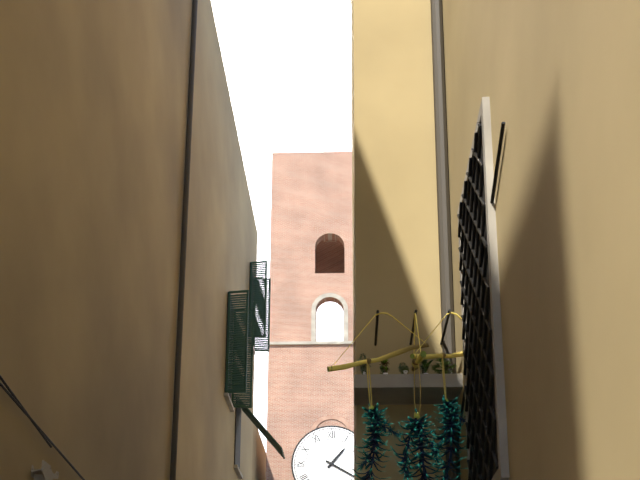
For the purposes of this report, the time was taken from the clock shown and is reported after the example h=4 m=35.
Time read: h=1 m=20
